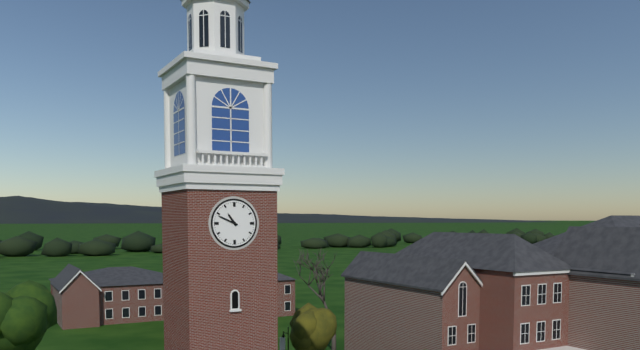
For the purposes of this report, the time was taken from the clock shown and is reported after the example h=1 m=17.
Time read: h=10 m=49
